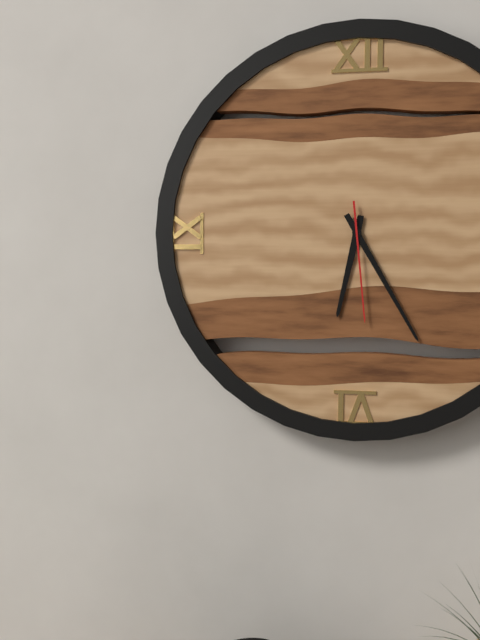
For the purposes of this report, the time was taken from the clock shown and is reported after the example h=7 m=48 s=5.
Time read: h=6 m=25 s=29
